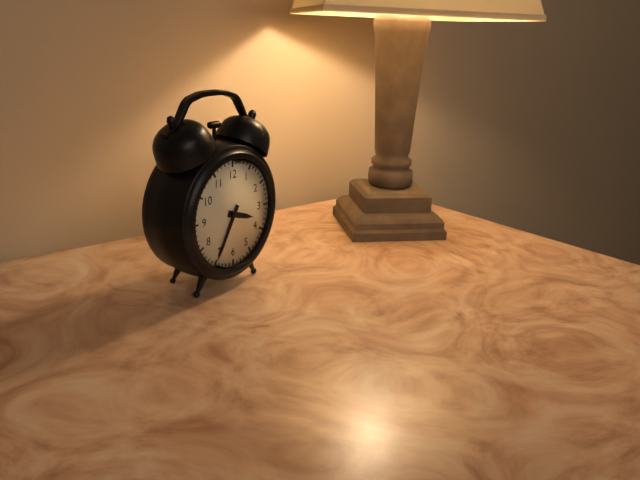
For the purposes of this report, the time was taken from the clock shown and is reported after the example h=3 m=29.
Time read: h=3 m=35
